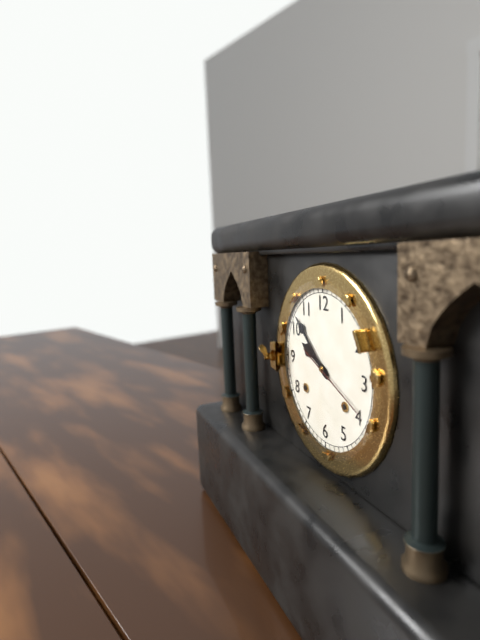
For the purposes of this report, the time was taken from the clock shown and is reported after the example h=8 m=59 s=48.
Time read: h=9 m=52 s=19
